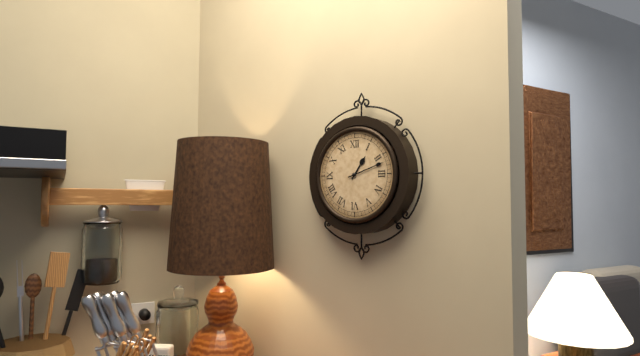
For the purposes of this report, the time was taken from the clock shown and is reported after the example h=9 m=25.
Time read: h=1 m=12
